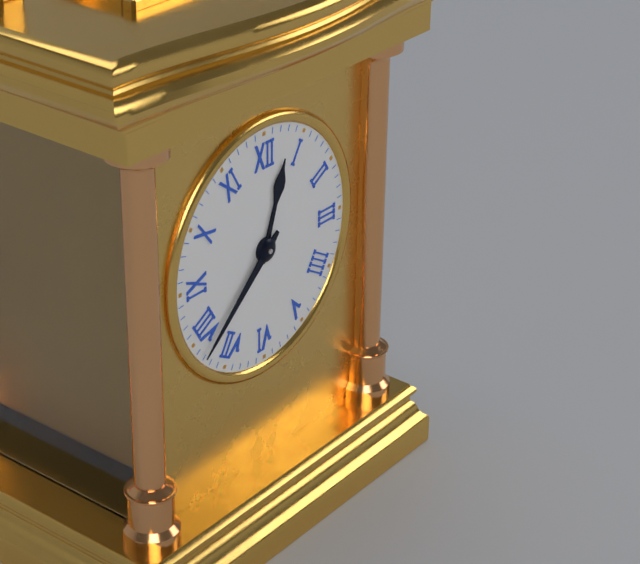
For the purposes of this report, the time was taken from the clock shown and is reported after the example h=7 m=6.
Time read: h=12 m=38
